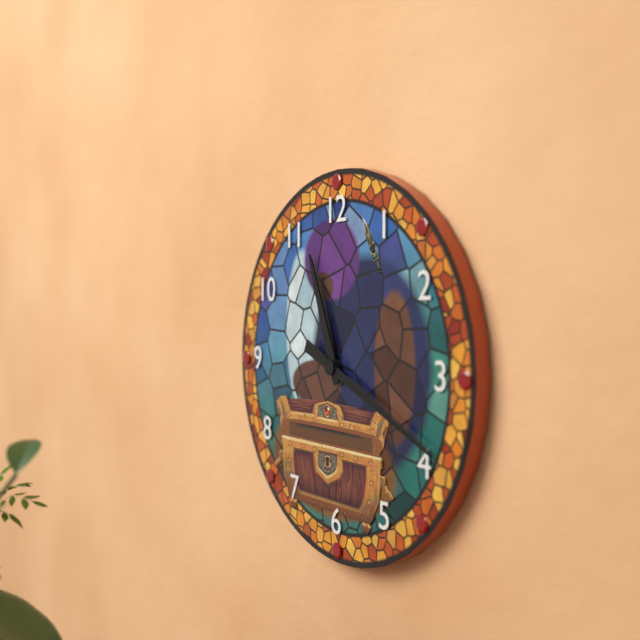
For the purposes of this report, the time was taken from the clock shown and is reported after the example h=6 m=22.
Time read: h=11 m=19
